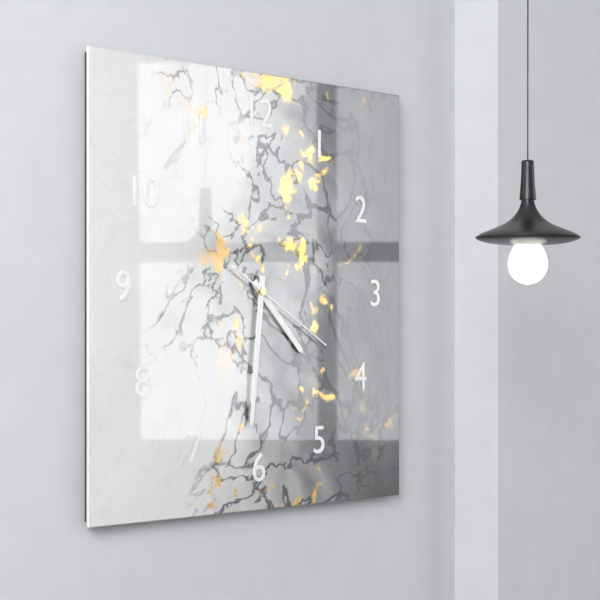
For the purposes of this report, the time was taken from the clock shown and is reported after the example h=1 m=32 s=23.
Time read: h=4 m=31 s=20
